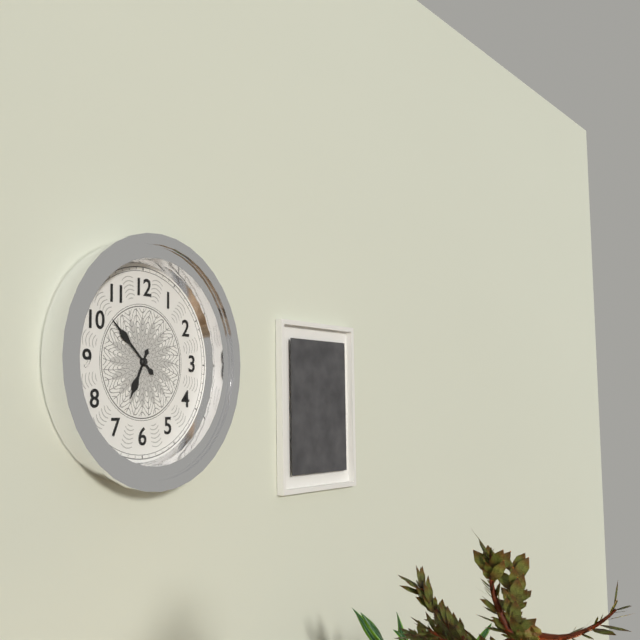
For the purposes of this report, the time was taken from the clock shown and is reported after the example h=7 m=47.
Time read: h=6 m=52
